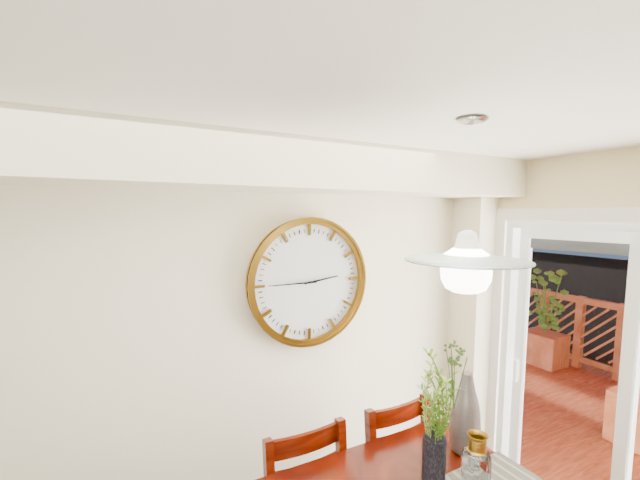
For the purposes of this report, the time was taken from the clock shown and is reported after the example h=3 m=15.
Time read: h=2 m=45
